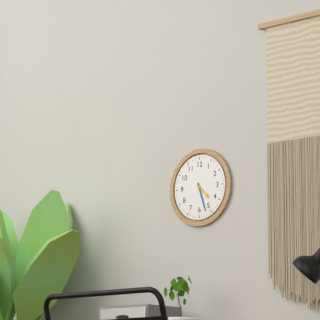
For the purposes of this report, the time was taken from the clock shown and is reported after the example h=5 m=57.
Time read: h=4 m=27
